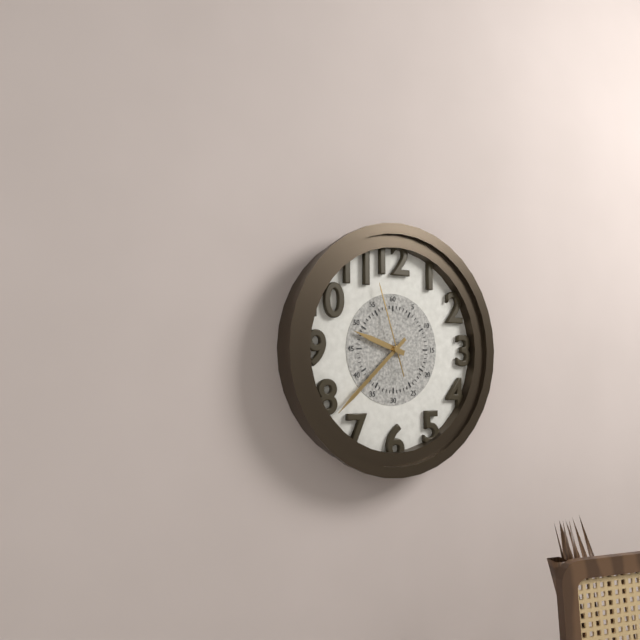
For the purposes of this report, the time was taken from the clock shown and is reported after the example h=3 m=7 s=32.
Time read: h=9 m=38 s=57
